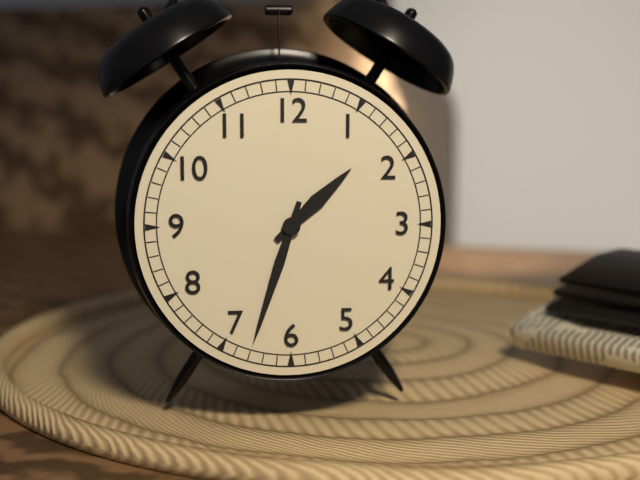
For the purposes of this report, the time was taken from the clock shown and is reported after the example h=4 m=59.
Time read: h=1 m=33
